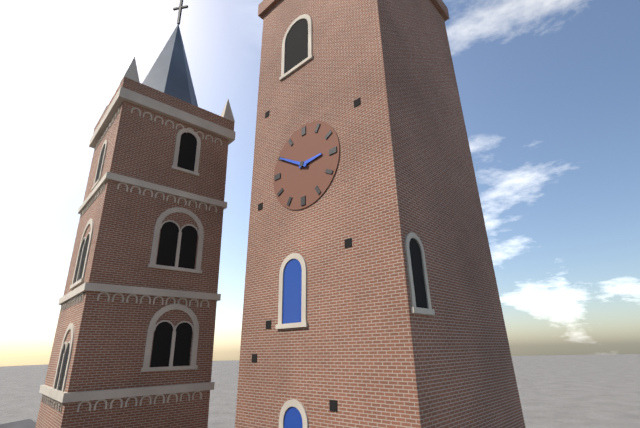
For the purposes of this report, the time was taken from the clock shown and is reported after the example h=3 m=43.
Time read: h=2 m=50
